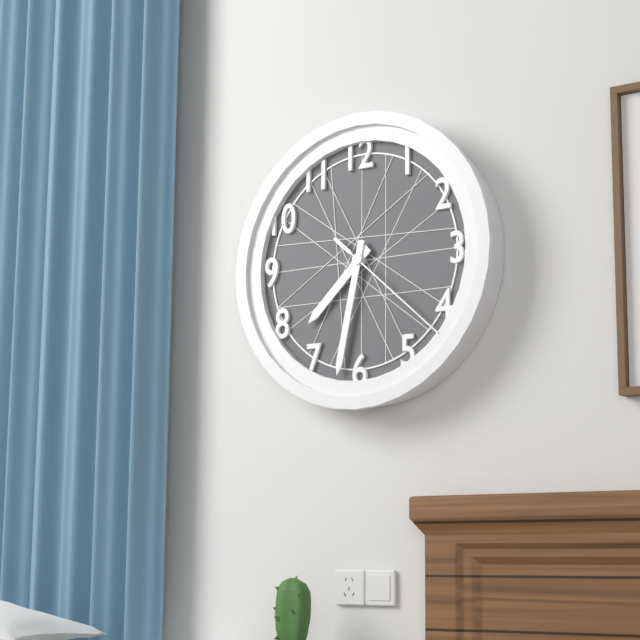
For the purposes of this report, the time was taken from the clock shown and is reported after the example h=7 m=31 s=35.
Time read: h=7 m=32 s=22
